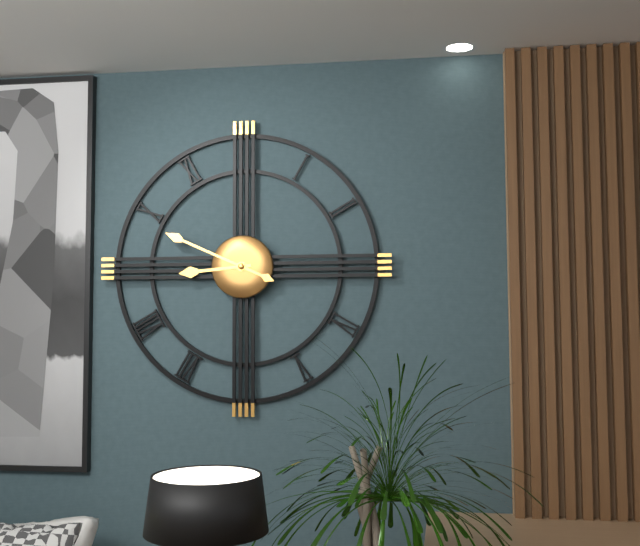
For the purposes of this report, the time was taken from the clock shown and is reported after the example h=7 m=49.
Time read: h=8 m=49
